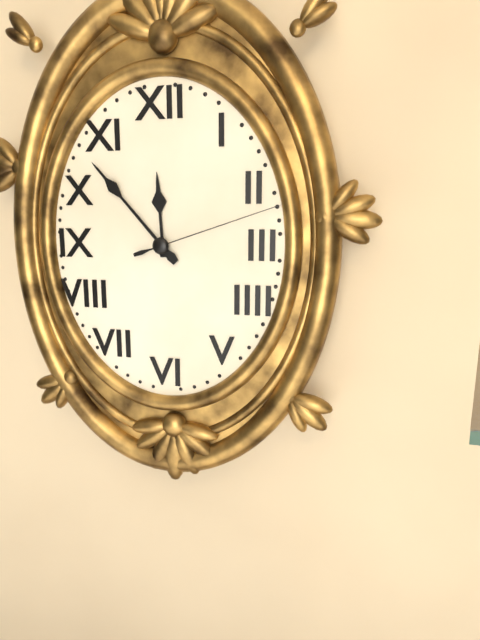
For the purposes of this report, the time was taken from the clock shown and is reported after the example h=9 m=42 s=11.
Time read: h=11 m=53 s=12
